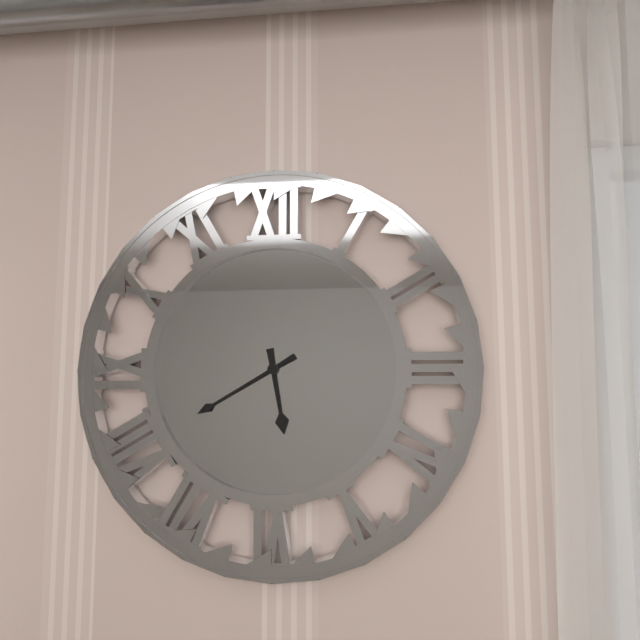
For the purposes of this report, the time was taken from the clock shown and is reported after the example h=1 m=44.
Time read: h=5 m=40
